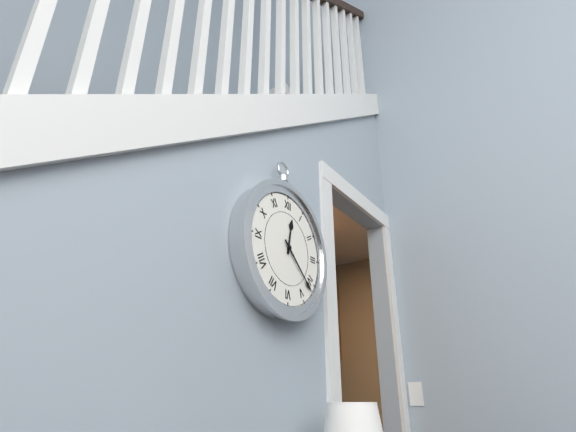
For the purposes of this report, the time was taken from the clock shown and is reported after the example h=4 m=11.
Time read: h=12 m=22
